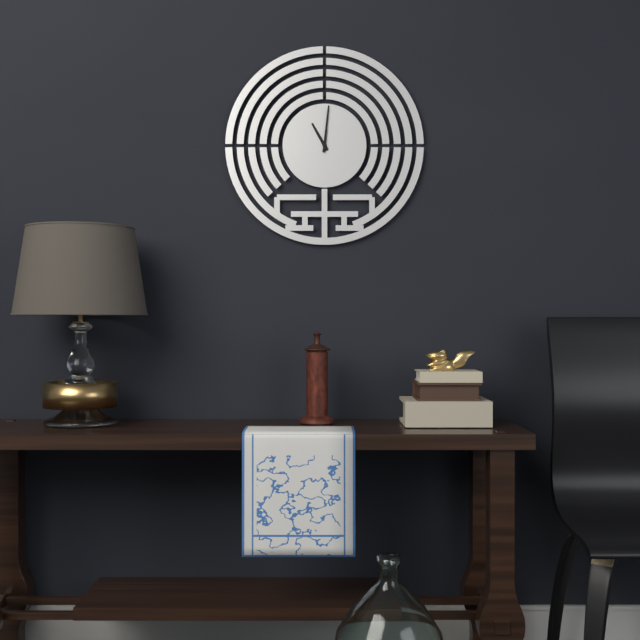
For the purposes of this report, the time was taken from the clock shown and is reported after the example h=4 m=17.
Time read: h=11 m=1
